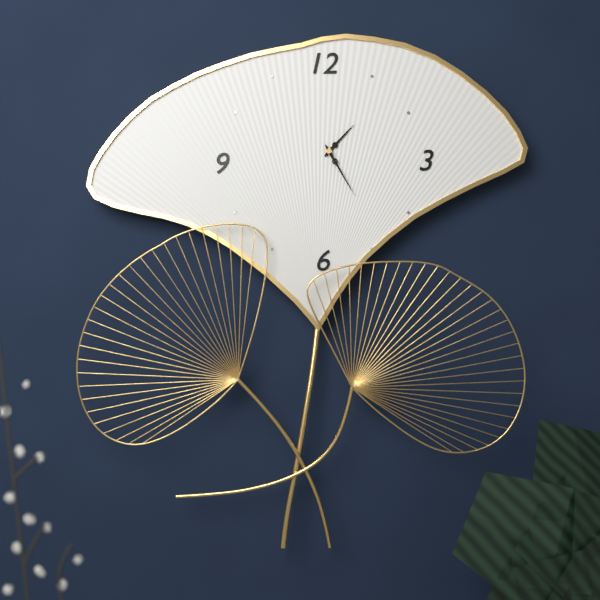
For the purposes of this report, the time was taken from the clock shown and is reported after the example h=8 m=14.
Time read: h=1 m=25
